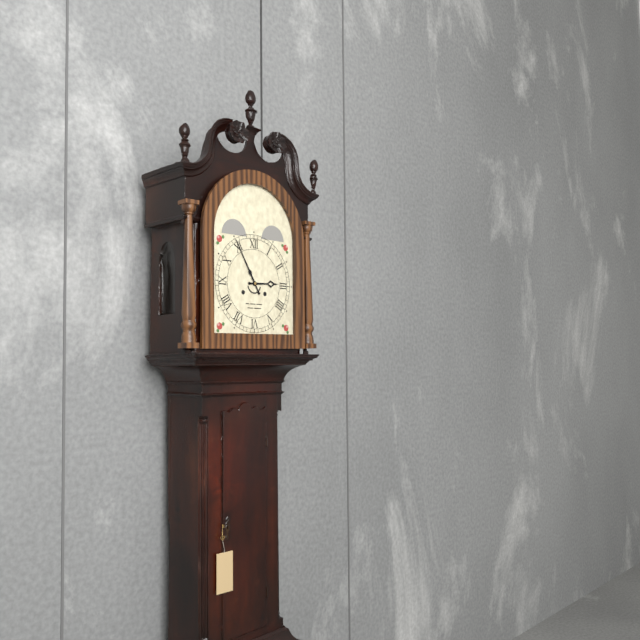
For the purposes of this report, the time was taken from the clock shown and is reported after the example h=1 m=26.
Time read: h=2 m=55
